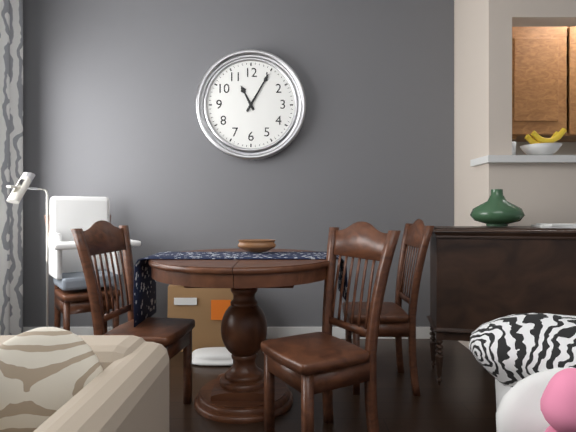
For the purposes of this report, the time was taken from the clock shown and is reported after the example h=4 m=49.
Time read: h=11 m=5
